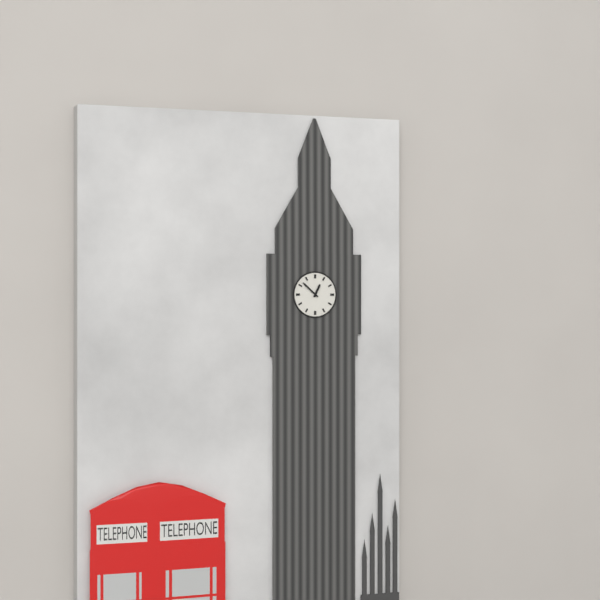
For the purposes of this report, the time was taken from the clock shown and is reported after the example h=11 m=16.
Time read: h=12 m=52
